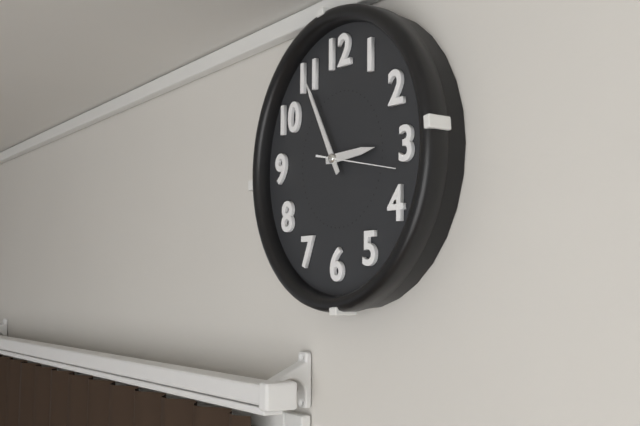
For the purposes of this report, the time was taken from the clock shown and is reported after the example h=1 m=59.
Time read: h=2 m=55
